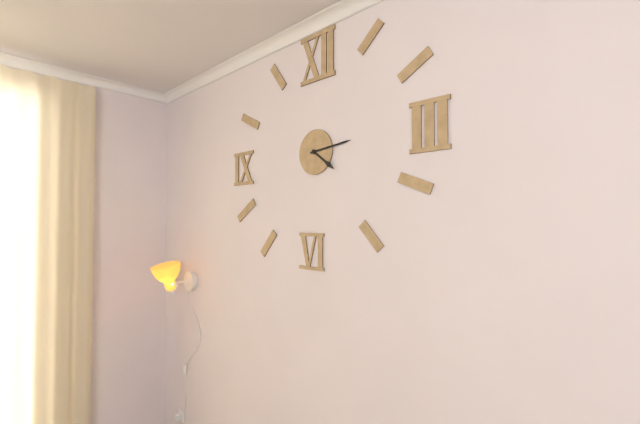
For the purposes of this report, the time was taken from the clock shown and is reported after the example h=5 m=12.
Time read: h=4 m=14
